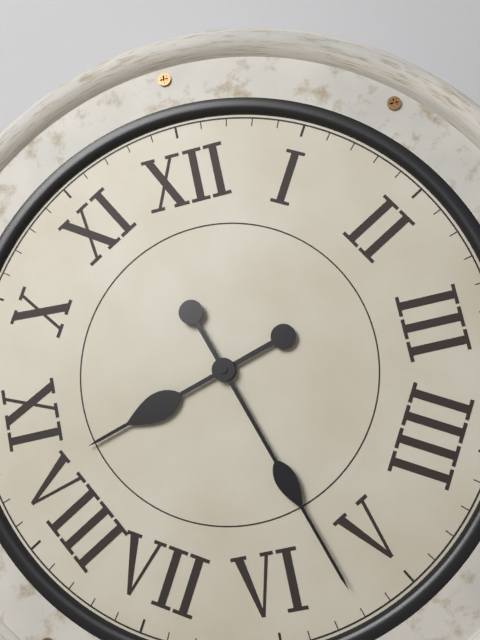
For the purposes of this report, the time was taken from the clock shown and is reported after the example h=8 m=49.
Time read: h=8 m=27
